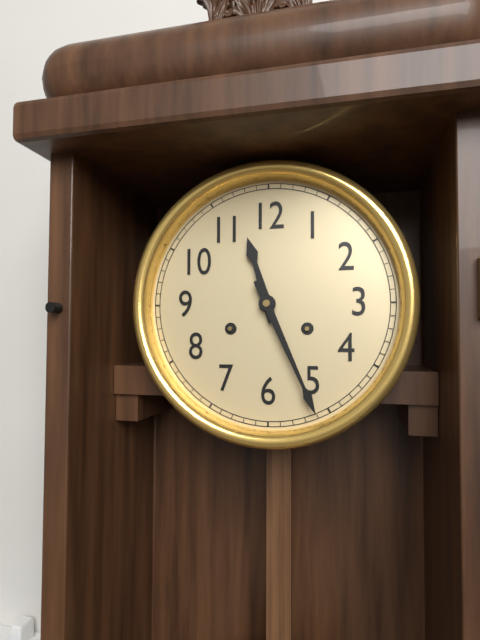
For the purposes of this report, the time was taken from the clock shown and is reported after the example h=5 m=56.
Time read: h=11 m=26
